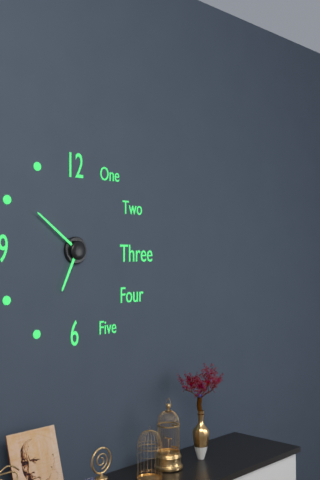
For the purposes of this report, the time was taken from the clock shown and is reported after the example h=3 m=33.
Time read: h=6 m=51
